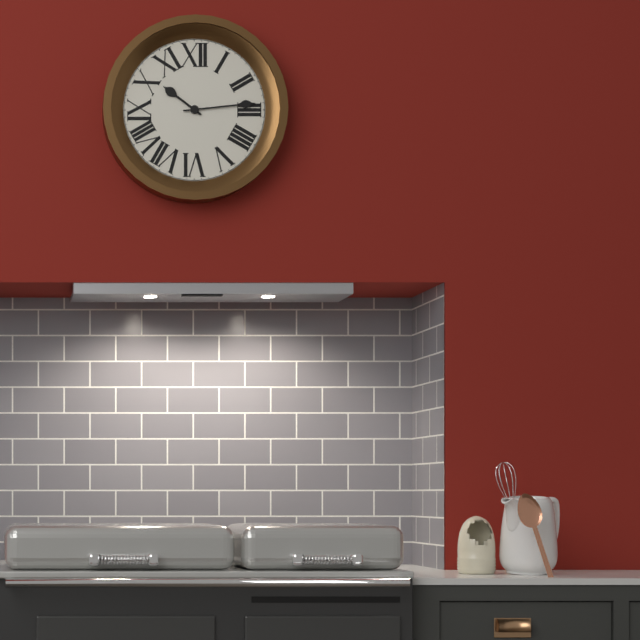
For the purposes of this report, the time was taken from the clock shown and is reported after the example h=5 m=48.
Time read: h=10 m=14
